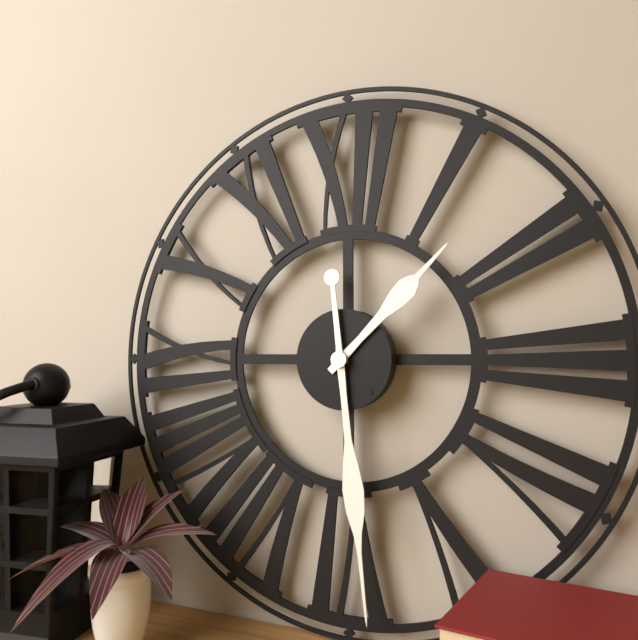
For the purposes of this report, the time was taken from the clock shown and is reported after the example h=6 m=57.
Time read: h=1 m=29
